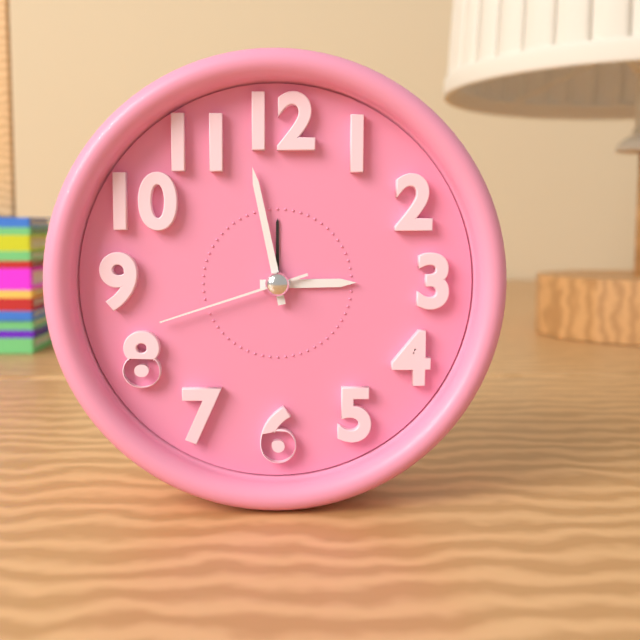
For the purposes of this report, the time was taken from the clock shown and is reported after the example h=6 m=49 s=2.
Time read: h=2 m=58 s=42
